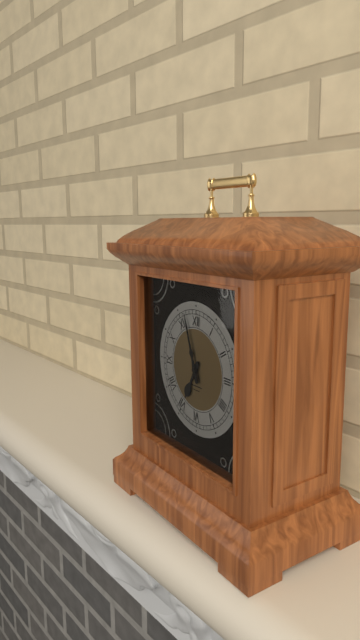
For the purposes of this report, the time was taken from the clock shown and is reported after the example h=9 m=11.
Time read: h=6 m=57
